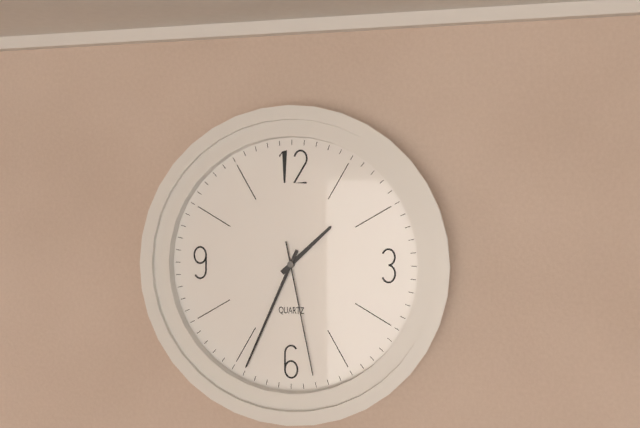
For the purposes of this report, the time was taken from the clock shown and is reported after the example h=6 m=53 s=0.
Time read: h=1 m=34 s=28
